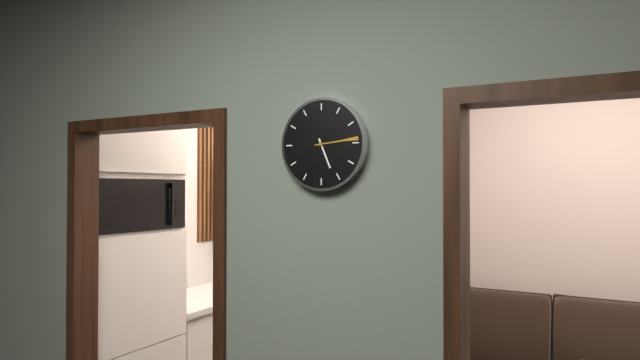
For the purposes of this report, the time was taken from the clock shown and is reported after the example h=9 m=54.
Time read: h=5 m=14
